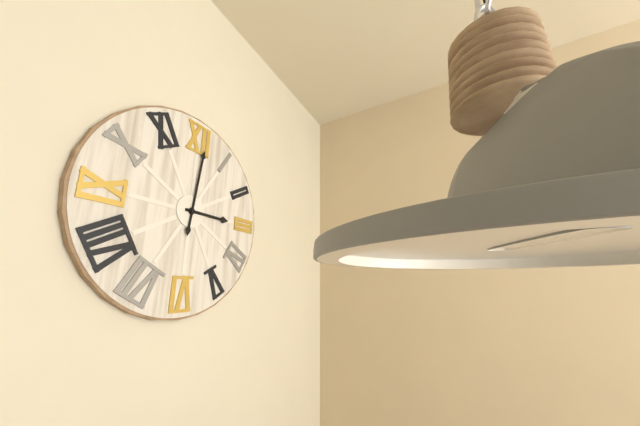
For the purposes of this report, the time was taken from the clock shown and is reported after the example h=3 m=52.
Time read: h=3 m=1
